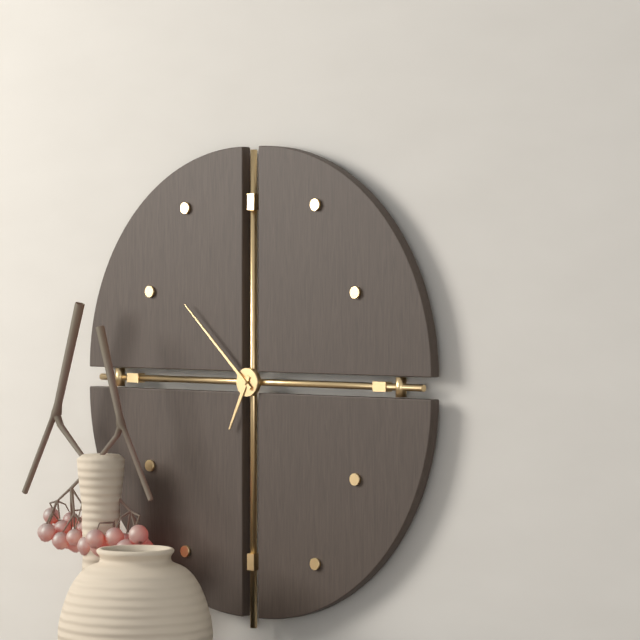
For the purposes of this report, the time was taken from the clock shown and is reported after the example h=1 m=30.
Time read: h=6 m=52
